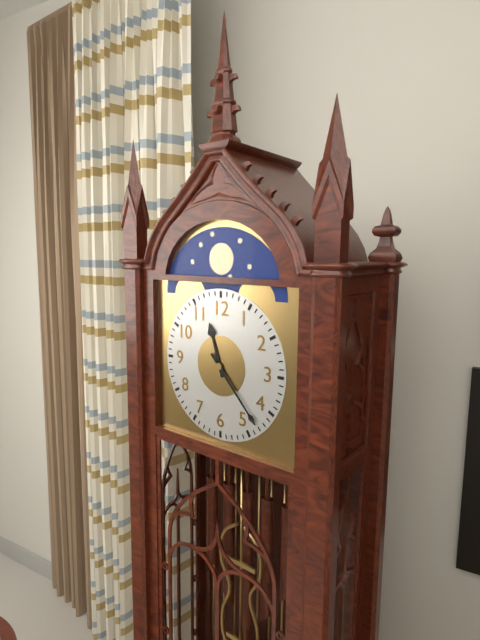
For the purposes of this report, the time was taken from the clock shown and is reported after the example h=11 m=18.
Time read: h=11 m=23
